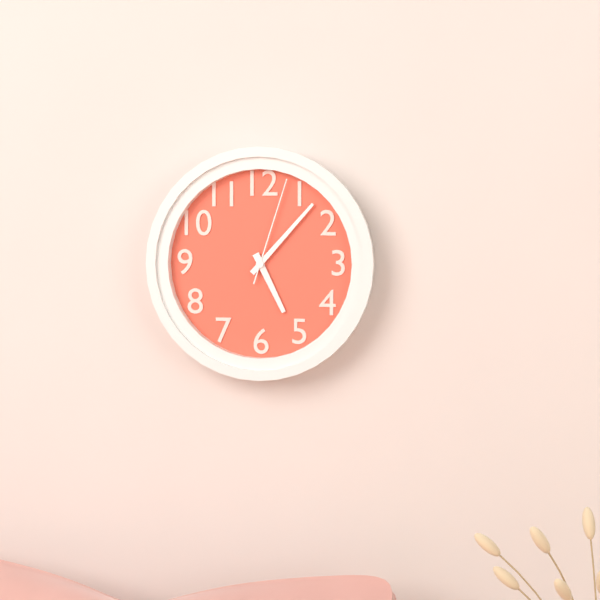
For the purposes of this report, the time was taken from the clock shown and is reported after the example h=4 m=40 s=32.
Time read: h=5 m=7 s=3
